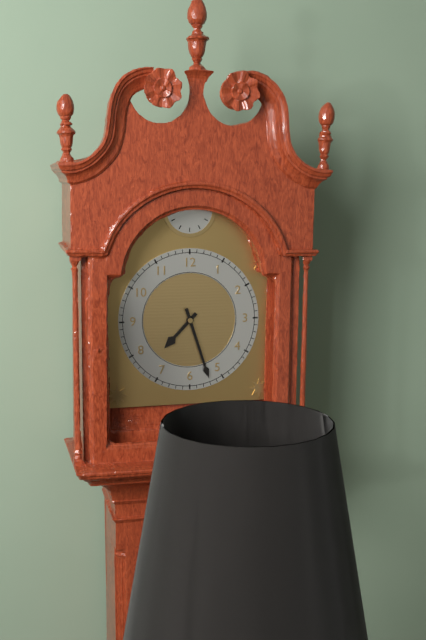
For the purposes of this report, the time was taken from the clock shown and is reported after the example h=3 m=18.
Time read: h=7 m=27
